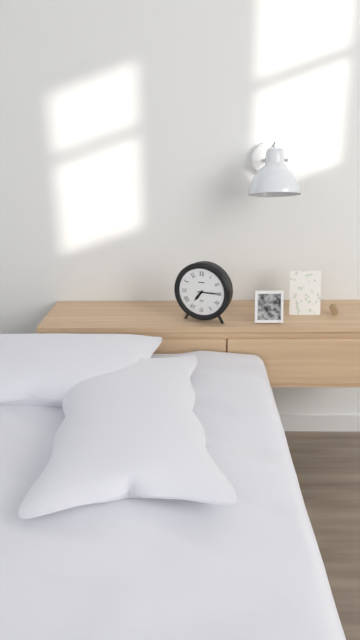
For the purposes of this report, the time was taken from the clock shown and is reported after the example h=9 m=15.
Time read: h=7 m=15
